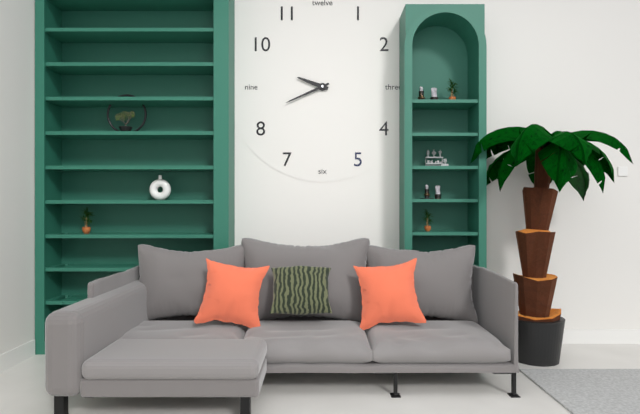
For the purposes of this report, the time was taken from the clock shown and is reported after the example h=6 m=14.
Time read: h=9 m=41
